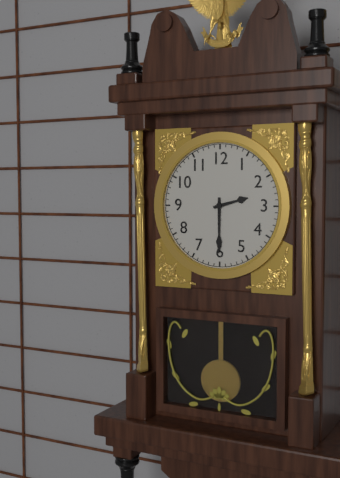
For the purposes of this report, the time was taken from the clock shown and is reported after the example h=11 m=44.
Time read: h=2 m=30
